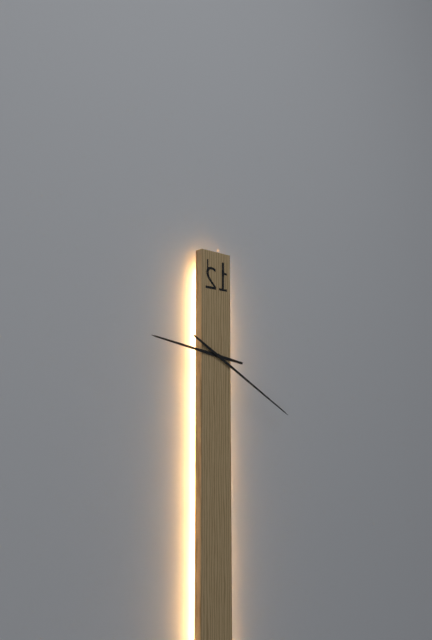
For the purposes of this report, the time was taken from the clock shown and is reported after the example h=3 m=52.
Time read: h=9 m=20
